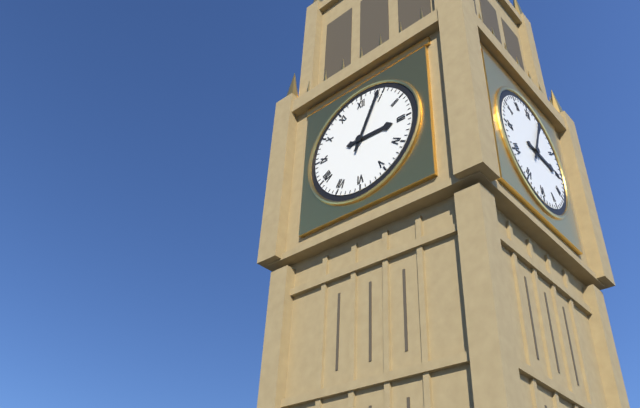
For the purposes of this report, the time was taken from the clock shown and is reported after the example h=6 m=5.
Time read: h=3 m=4
